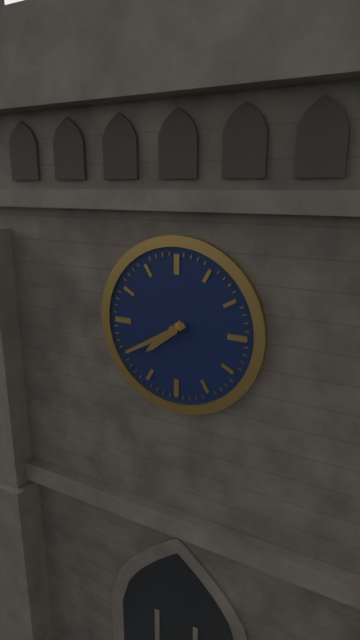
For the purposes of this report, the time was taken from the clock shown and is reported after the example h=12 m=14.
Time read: h=7 m=40
